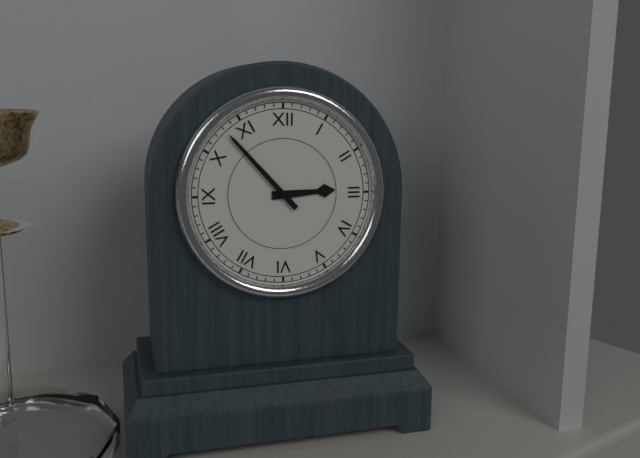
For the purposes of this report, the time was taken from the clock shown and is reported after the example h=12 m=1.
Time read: h=2 m=53
